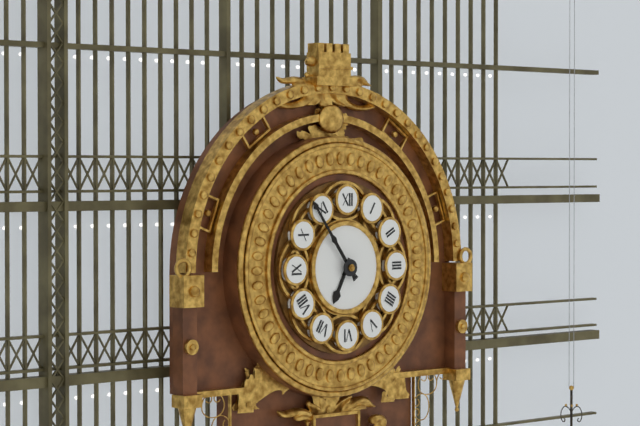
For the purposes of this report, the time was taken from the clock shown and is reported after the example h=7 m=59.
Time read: h=6 m=54
